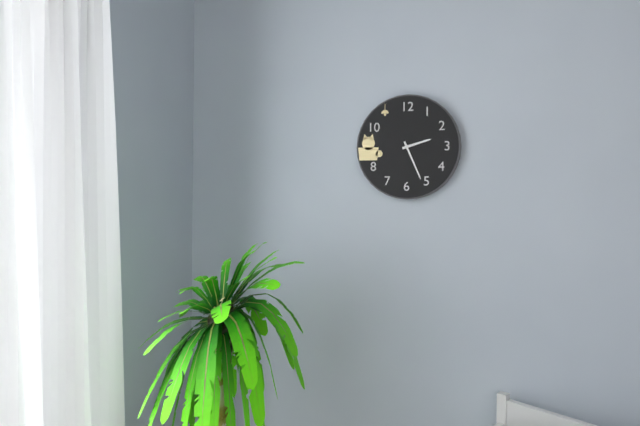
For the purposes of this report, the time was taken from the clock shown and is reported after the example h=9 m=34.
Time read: h=2 m=26
